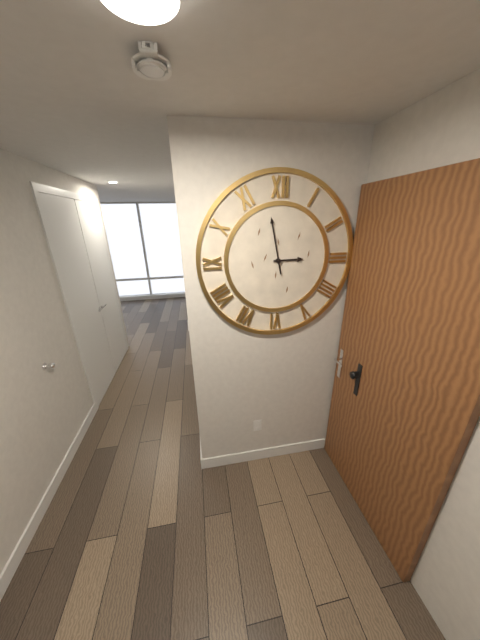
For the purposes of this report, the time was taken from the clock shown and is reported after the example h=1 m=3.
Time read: h=2 m=58
